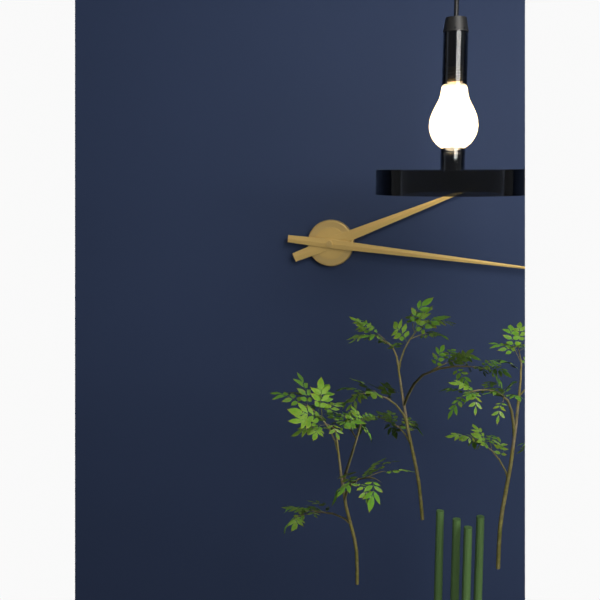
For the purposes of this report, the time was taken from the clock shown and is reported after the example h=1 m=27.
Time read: h=2 m=16
